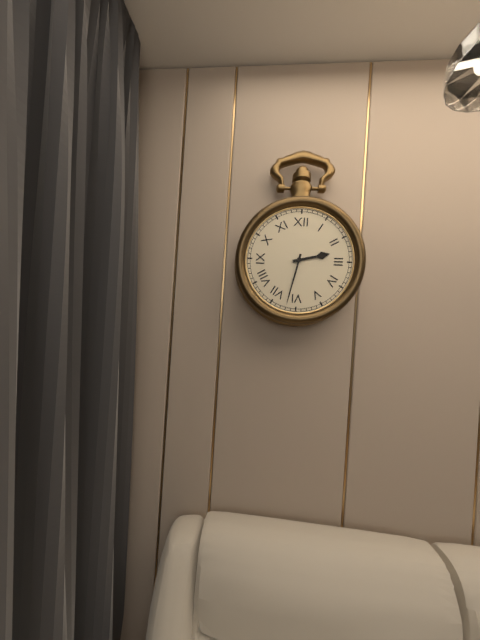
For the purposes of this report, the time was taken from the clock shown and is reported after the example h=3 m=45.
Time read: h=2 m=32
